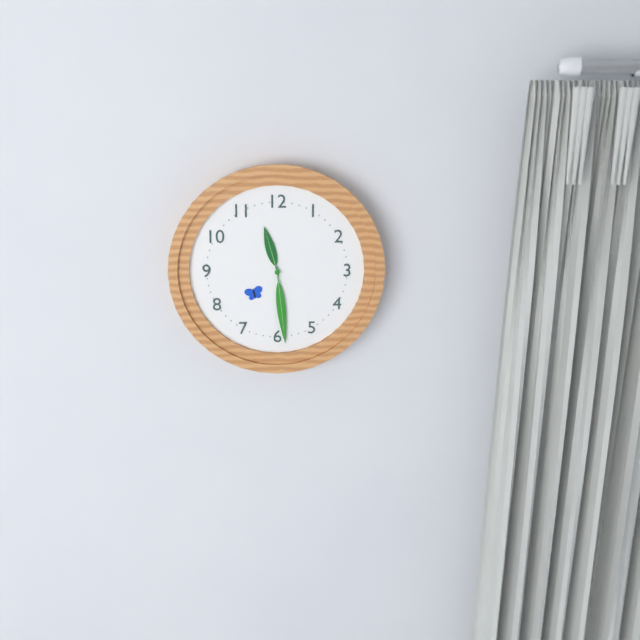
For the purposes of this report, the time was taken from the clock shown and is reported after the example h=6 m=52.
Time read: h=11 m=29
